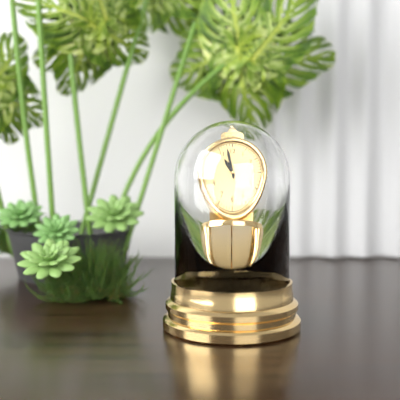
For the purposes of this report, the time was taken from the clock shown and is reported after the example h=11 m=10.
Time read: h=10 m=58
